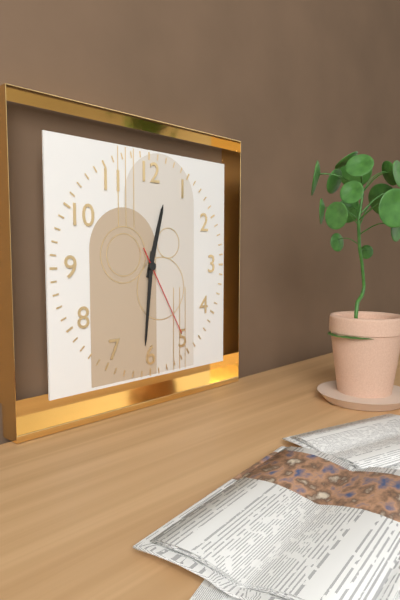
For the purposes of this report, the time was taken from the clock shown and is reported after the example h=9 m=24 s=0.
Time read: h=12 m=31 s=25
